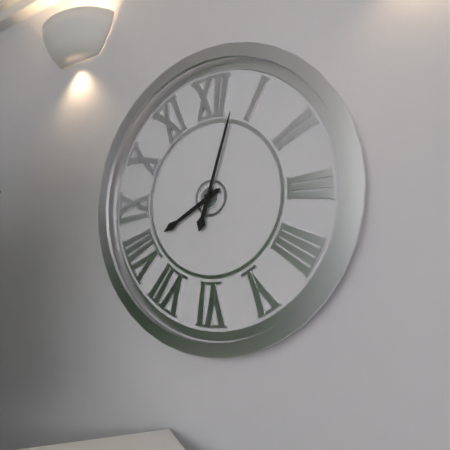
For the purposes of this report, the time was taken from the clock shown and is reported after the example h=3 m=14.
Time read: h=8 m=3
